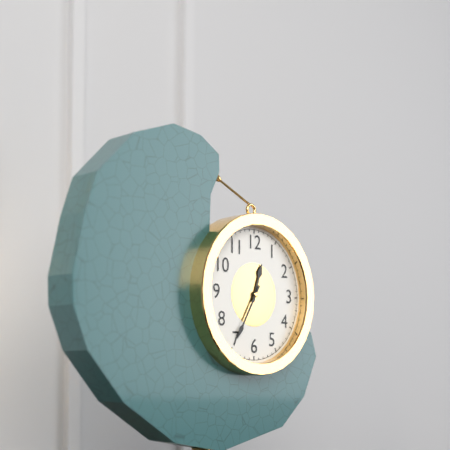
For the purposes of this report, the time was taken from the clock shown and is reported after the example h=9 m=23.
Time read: h=12 m=35
